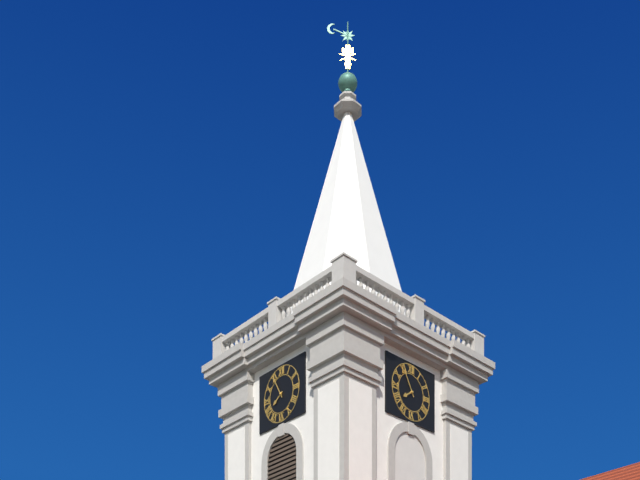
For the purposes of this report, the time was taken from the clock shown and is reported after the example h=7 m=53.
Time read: h=7 m=55
